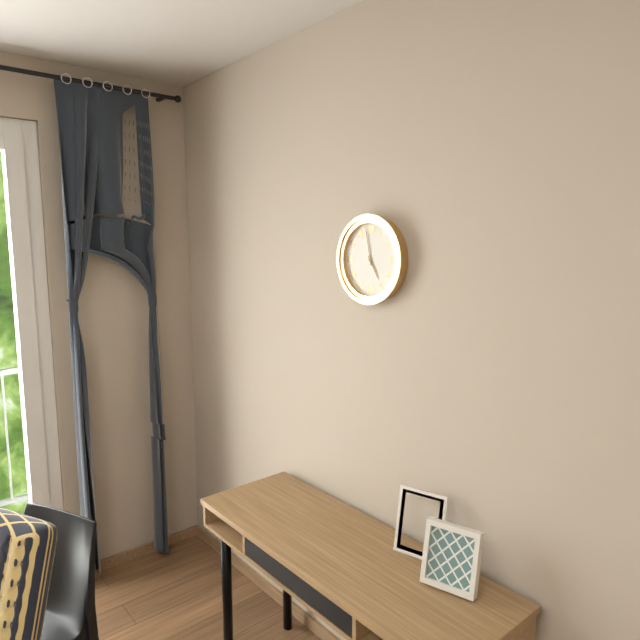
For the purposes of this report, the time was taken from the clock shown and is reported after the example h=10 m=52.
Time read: h=4 m=58
